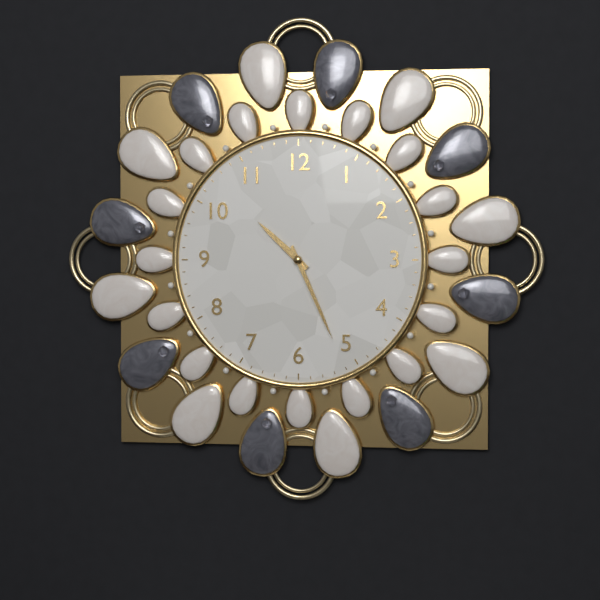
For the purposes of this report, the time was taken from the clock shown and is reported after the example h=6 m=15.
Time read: h=10 m=26
